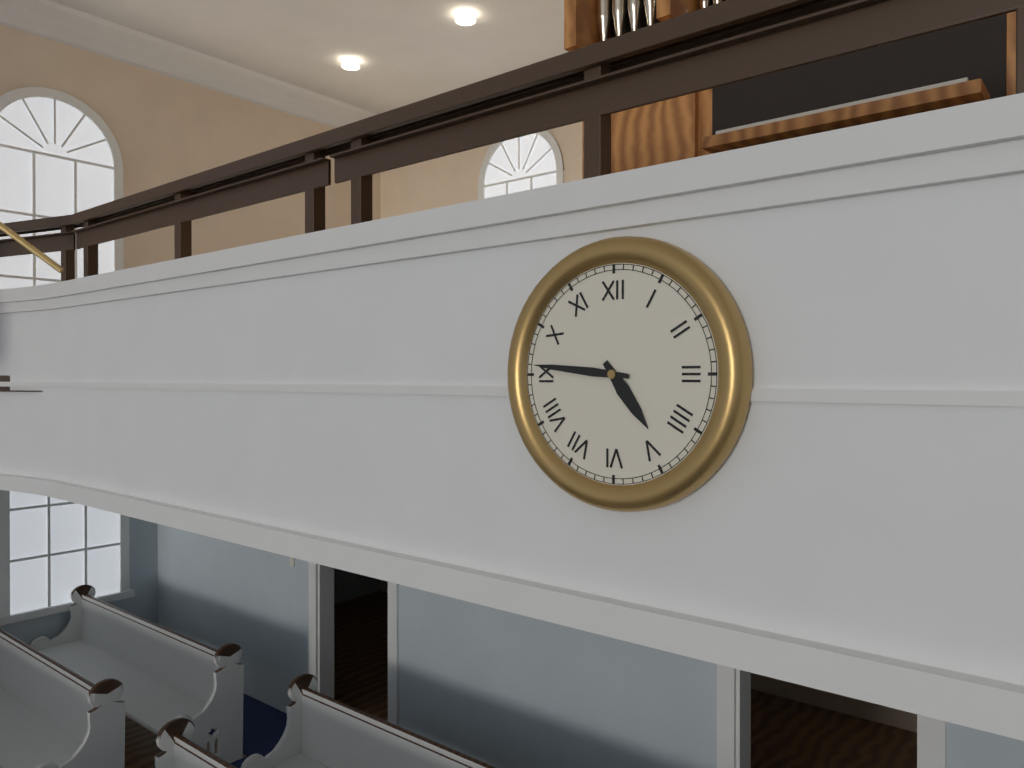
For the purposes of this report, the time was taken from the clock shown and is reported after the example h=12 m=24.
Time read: h=4 m=46
